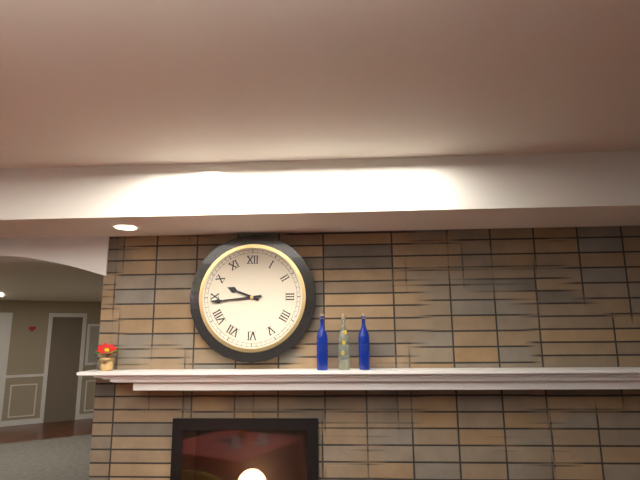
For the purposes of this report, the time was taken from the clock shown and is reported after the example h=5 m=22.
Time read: h=9 m=44
